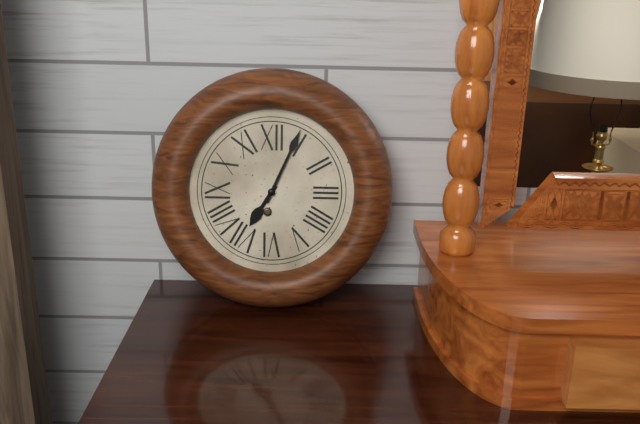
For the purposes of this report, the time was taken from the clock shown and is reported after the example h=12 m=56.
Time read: h=7 m=4
